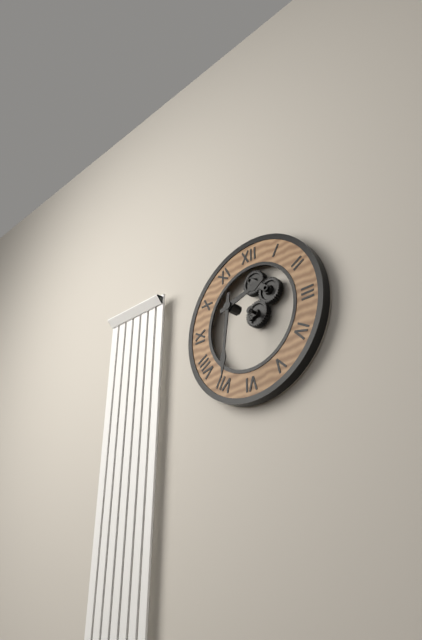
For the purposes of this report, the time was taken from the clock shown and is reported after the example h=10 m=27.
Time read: h=2 m=31
